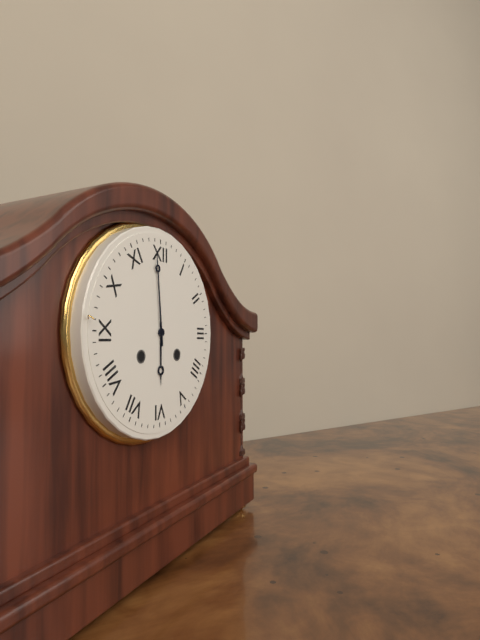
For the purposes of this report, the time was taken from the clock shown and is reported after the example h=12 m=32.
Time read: h=5 m=59
